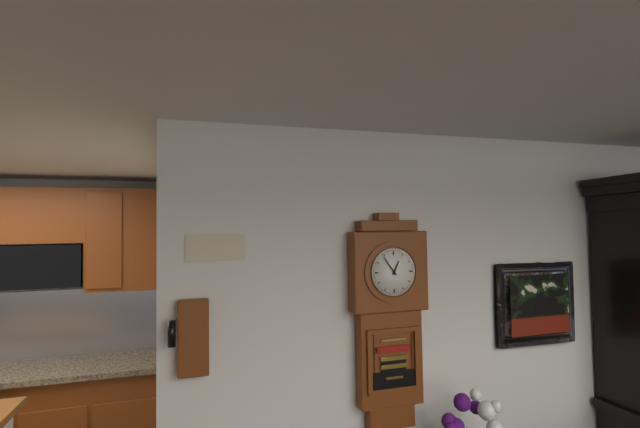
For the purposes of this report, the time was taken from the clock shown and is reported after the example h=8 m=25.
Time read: h=12 m=54
